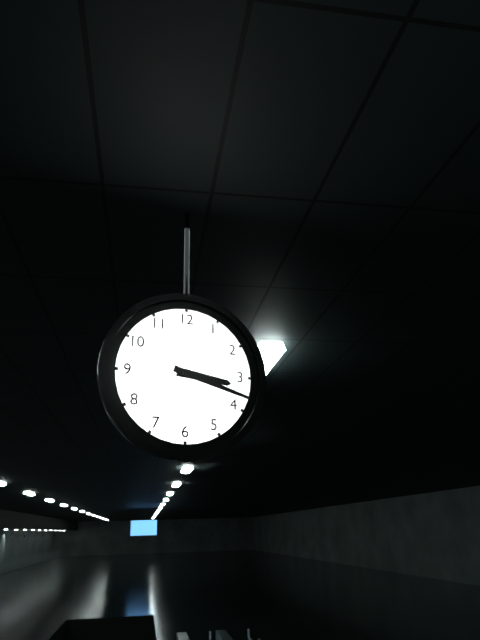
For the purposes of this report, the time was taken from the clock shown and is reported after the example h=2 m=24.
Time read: h=3 m=18
